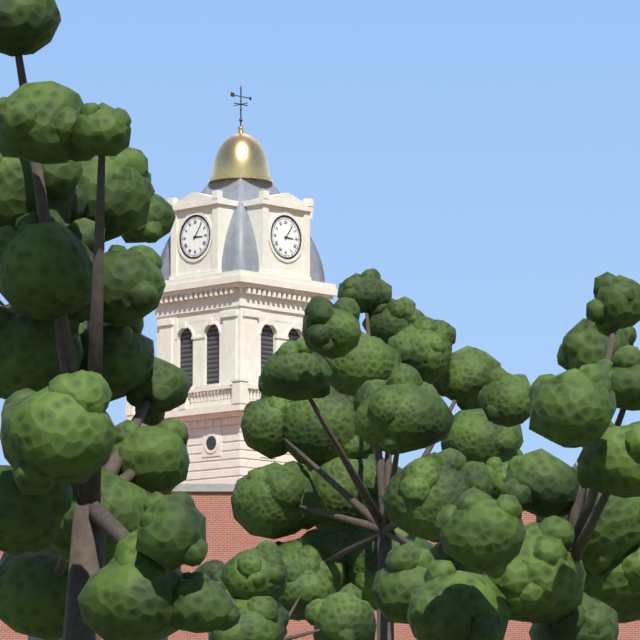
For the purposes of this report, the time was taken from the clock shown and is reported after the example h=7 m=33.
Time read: h=3 m=6
